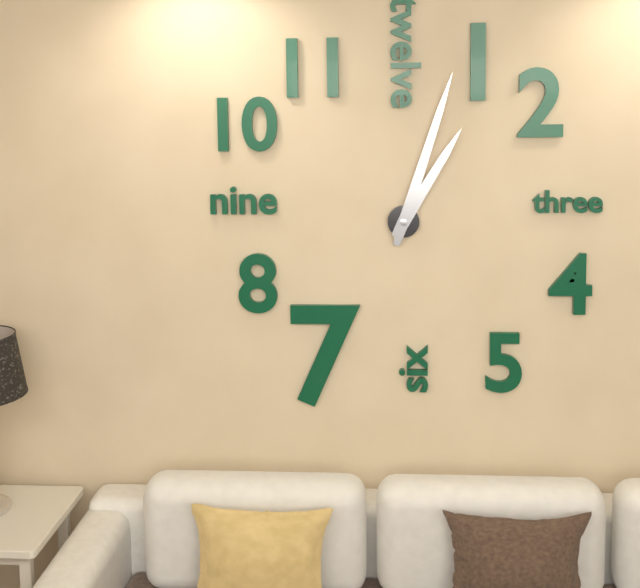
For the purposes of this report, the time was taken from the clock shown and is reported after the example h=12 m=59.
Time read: h=1 m=3
